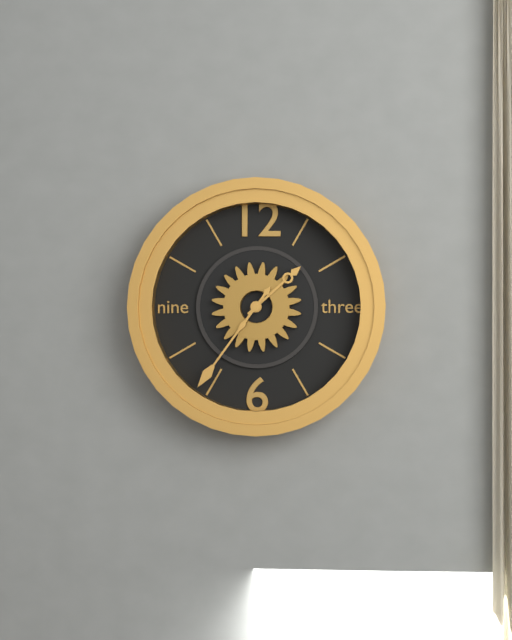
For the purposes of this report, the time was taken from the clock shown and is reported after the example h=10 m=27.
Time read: h=1 m=36
